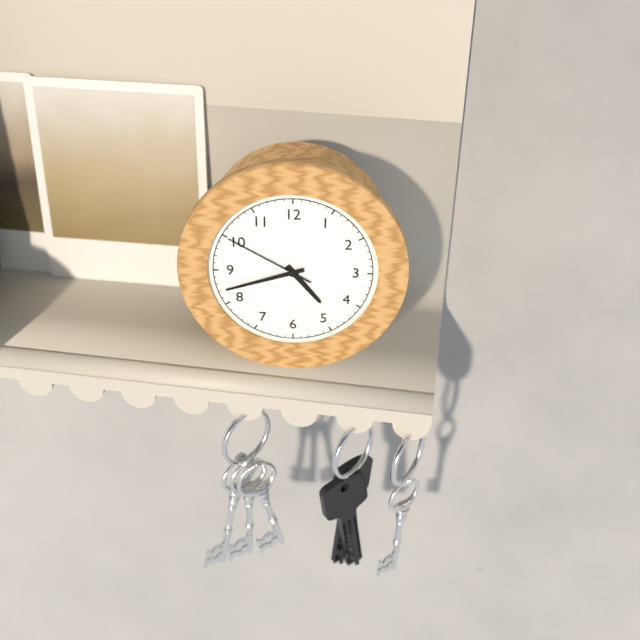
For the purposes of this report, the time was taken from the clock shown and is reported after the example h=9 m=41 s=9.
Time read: h=4 m=42 s=50
